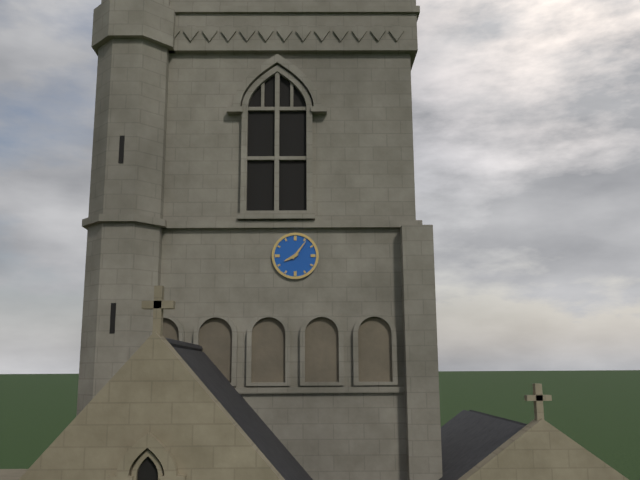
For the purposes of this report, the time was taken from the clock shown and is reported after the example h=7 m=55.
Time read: h=8 m=6
